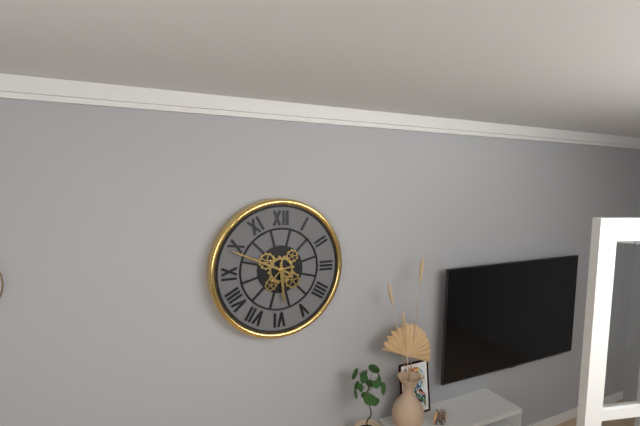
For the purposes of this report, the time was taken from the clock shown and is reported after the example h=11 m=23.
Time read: h=5 m=49
